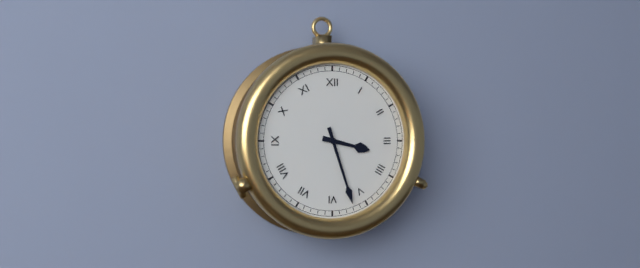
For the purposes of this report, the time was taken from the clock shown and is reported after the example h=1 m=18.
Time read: h=3 m=27
